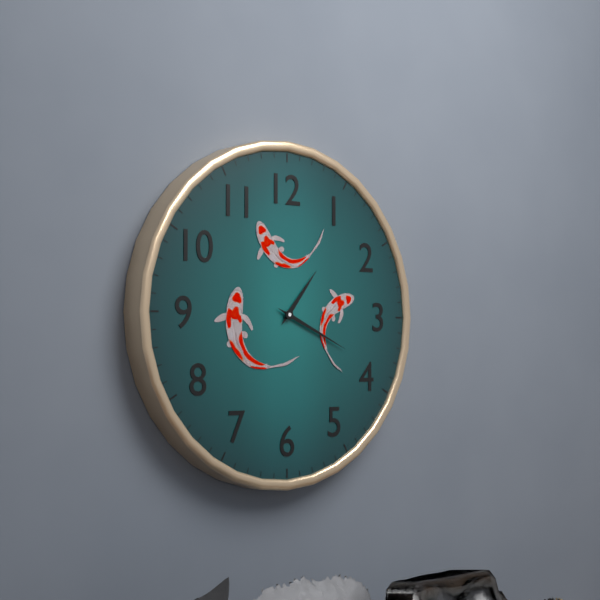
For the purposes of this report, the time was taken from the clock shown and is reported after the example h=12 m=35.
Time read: h=1 m=19
